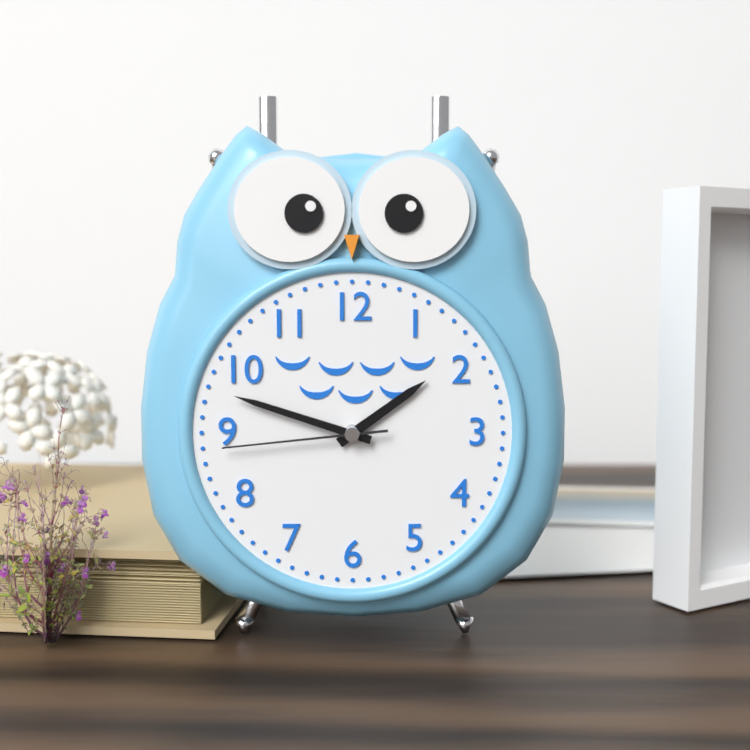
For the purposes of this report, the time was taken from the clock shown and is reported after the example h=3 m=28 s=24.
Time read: h=1 m=48 s=44
